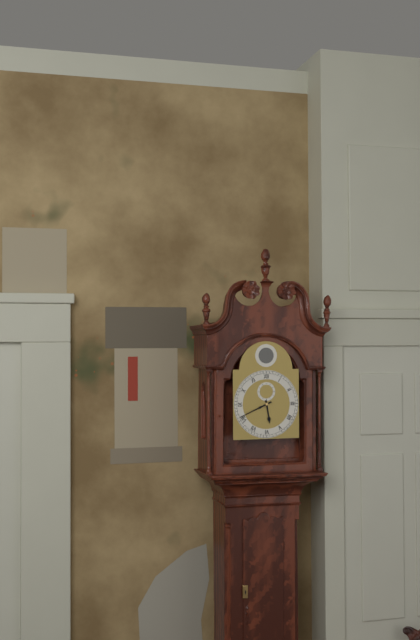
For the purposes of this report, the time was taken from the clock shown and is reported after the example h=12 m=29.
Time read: h=5 m=41
